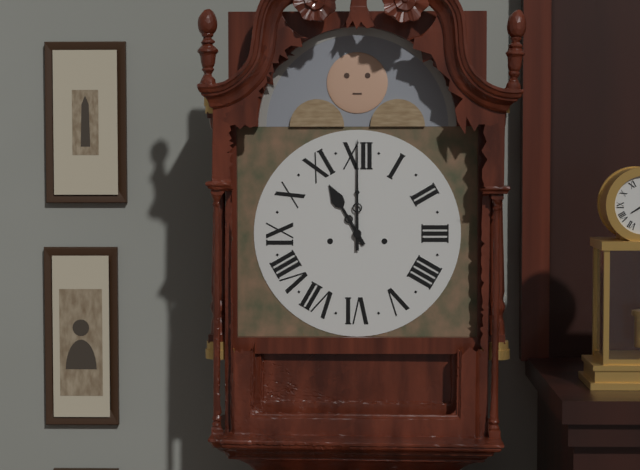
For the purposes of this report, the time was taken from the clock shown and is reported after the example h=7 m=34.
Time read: h=11 m=0
